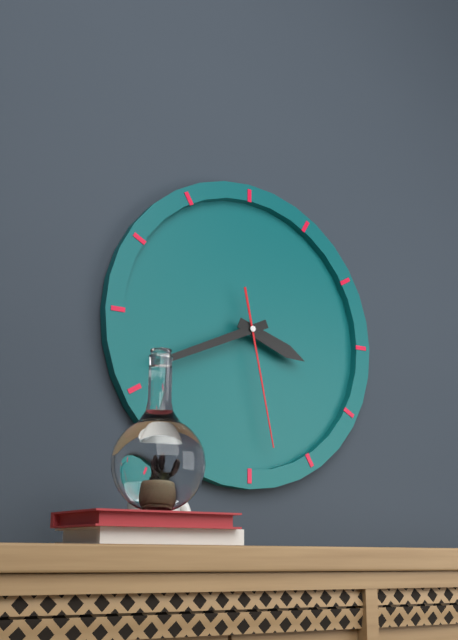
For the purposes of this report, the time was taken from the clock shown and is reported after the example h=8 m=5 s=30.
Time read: h=3 m=41 s=28
